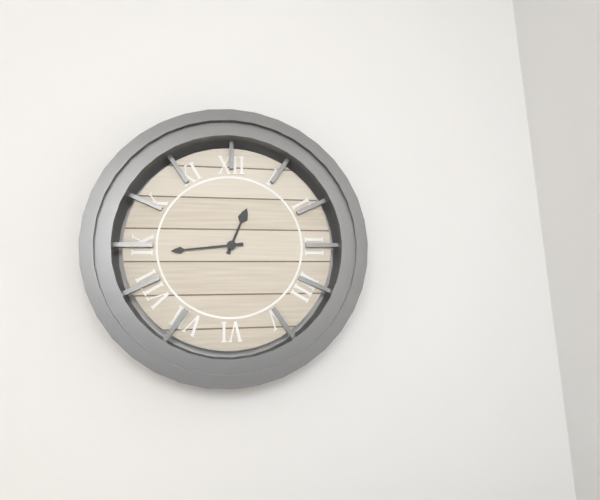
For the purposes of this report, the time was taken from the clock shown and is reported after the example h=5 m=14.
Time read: h=12 m=44
